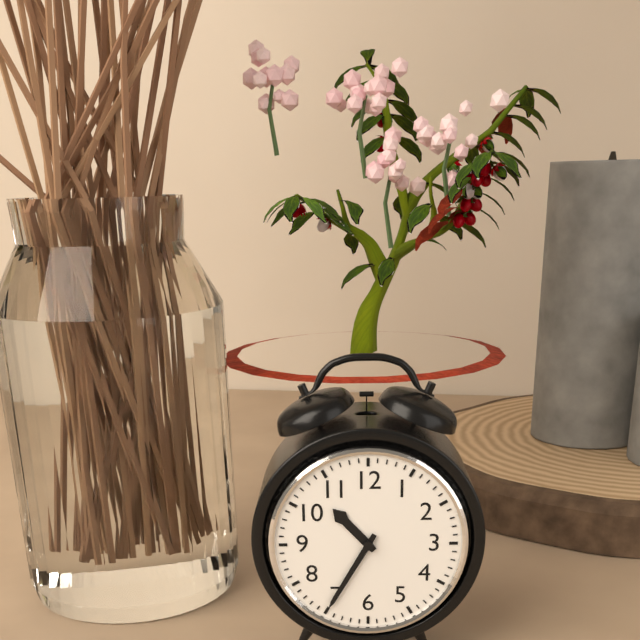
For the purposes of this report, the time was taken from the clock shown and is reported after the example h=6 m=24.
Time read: h=10 m=35
